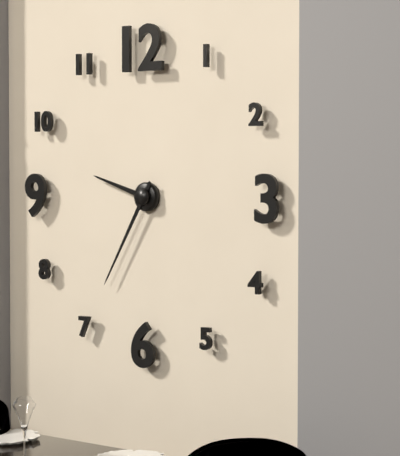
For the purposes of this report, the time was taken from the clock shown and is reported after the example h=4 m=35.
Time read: h=9 m=35
